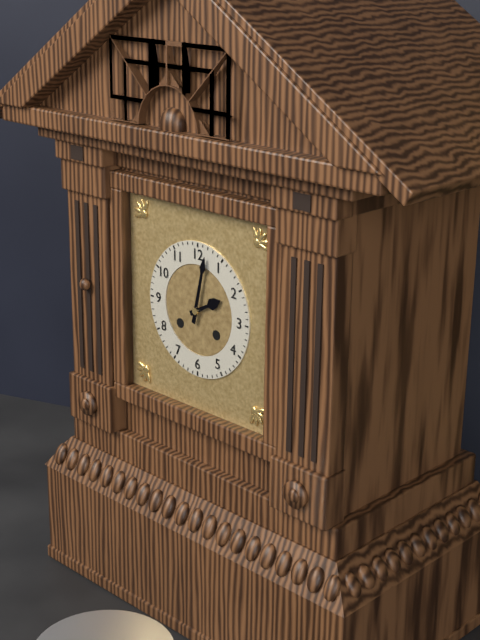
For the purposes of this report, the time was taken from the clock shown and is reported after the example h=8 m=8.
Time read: h=2 m=2
